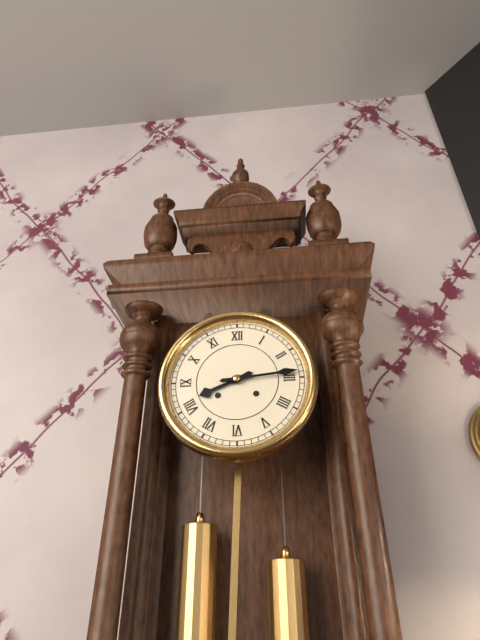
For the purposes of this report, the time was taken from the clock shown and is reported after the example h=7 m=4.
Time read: h=8 m=14
